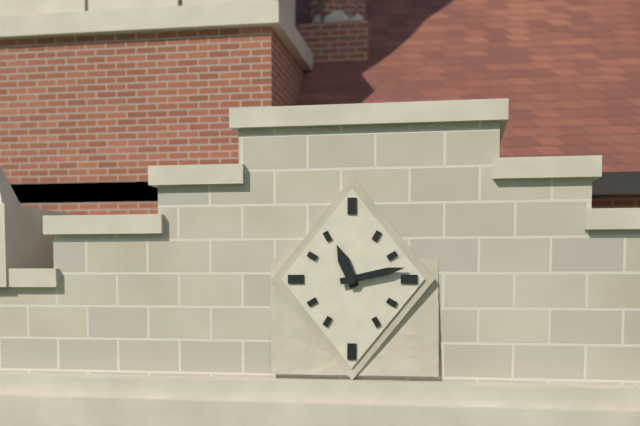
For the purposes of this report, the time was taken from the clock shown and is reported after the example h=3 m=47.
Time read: h=11 m=13
